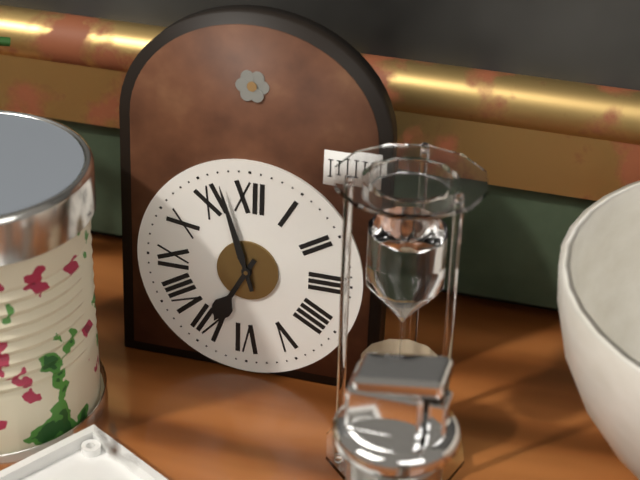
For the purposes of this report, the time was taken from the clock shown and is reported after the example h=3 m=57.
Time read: h=6 m=57
